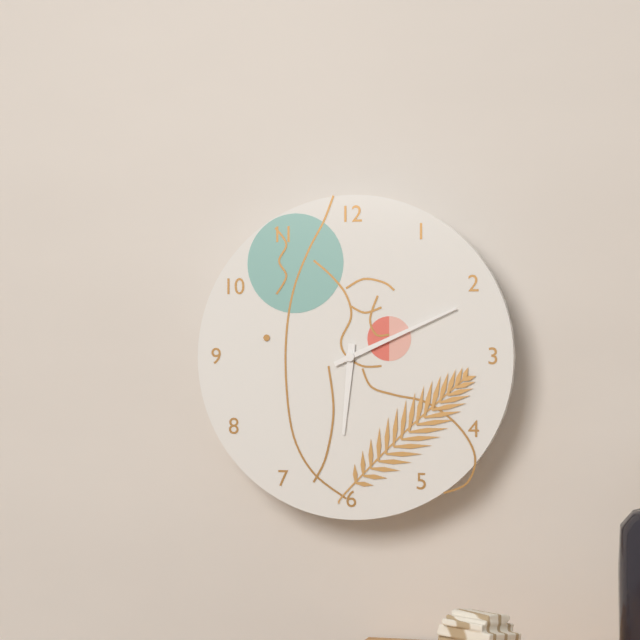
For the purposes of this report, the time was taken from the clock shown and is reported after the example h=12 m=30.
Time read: h=6 m=11
